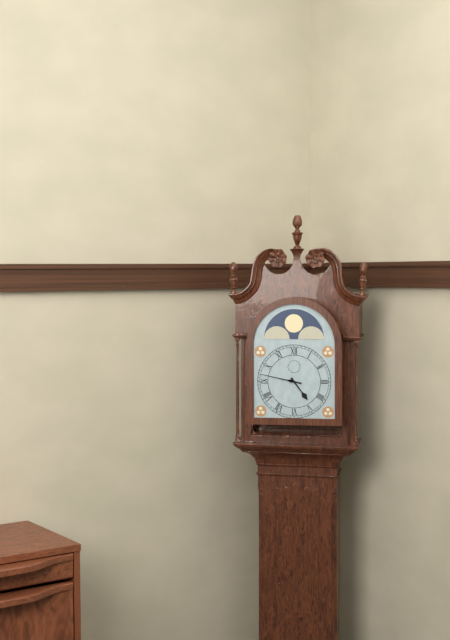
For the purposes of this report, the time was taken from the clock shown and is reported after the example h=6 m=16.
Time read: h=4 m=47
